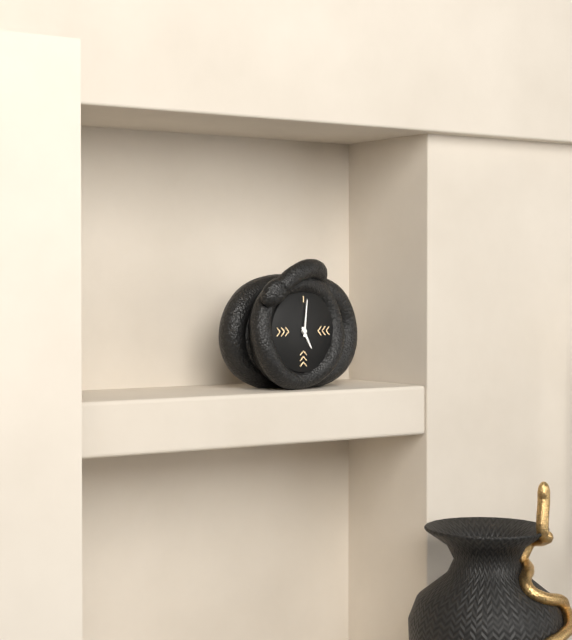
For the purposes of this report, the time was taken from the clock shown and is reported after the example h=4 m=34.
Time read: h=5 m=1
